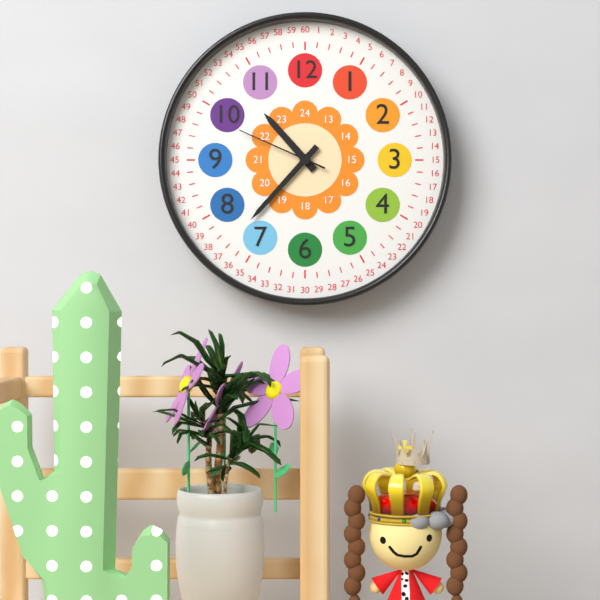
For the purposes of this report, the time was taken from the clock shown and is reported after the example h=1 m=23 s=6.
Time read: h=10 m=37 s=49
